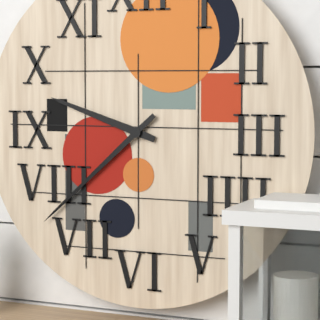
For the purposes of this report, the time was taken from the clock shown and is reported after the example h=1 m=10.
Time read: h=9 m=38
